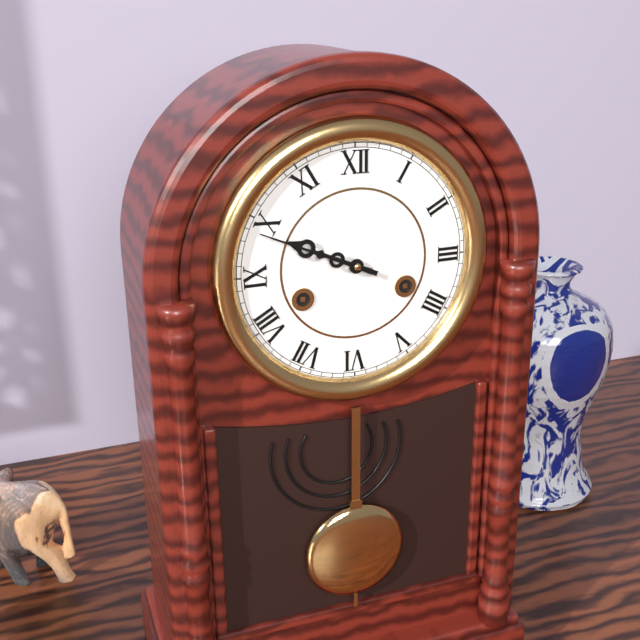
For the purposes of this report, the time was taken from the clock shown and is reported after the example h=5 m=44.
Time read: h=9 m=49
